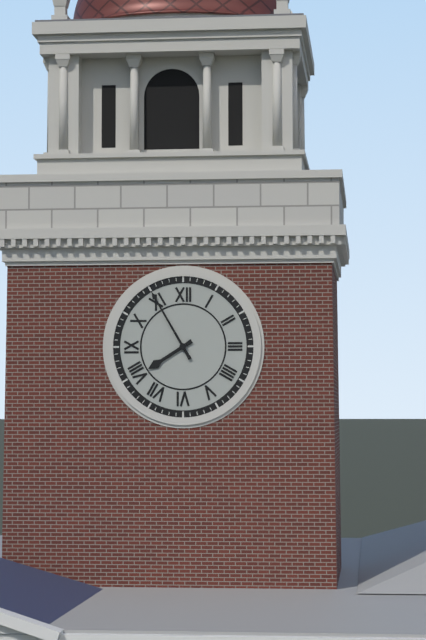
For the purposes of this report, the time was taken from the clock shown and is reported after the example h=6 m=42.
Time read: h=7 m=55
